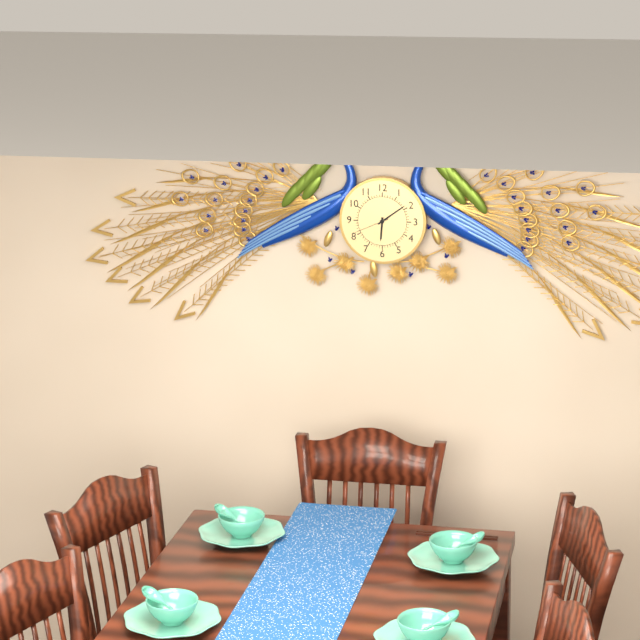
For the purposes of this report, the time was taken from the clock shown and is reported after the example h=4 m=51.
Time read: h=6 m=9
